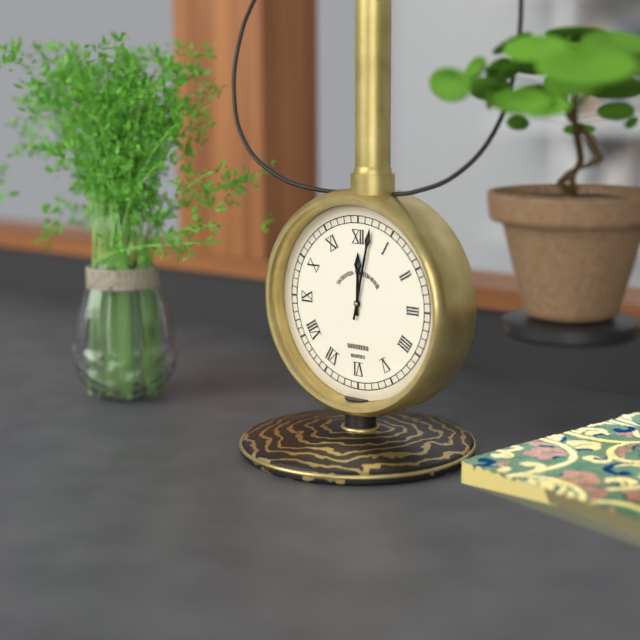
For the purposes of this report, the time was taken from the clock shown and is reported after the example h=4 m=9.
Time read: h=12 m=2
